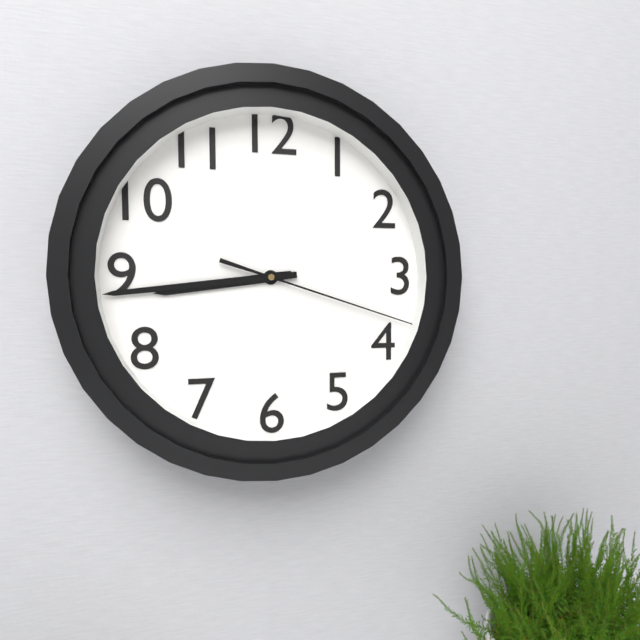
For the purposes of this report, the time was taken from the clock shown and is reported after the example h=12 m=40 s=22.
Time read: h=8 m=44 s=18
